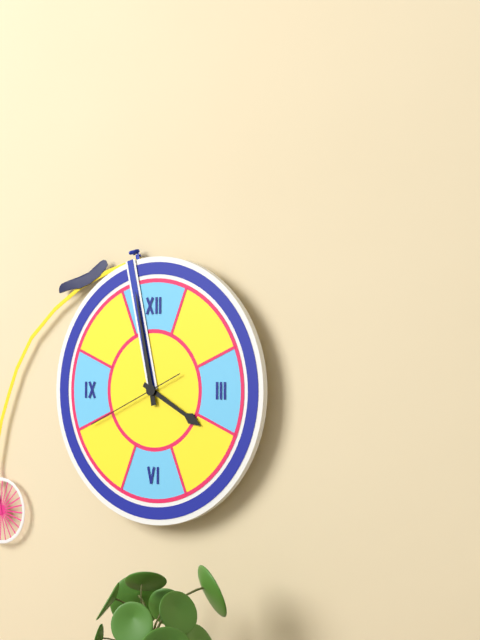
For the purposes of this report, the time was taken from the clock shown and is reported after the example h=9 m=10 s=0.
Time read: h=3 m=58 s=41
